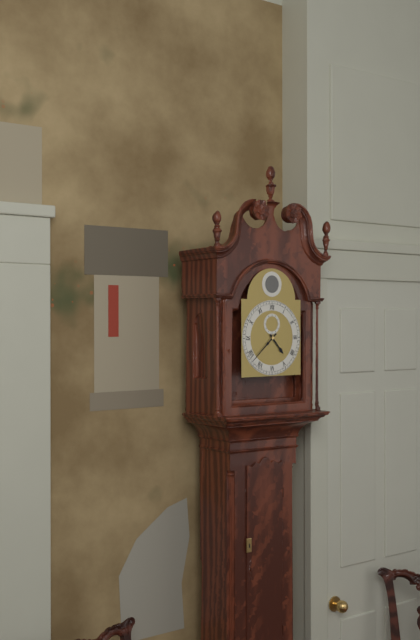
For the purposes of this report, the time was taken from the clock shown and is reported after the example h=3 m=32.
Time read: h=4 m=38
